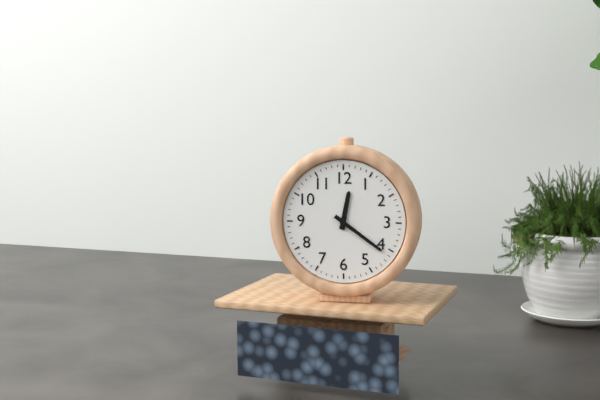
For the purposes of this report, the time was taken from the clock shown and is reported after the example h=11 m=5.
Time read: h=12 m=21
